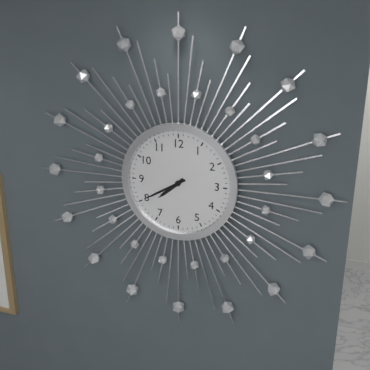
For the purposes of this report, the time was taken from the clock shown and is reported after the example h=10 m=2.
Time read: h=7 m=40
